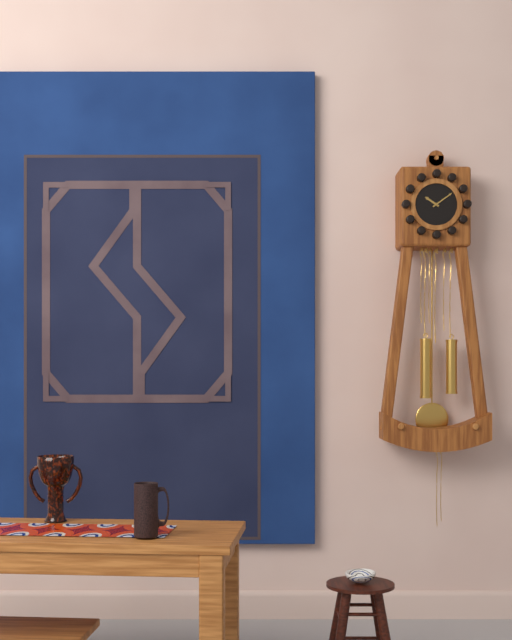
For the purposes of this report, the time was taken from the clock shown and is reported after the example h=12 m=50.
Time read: h=10 m=9
